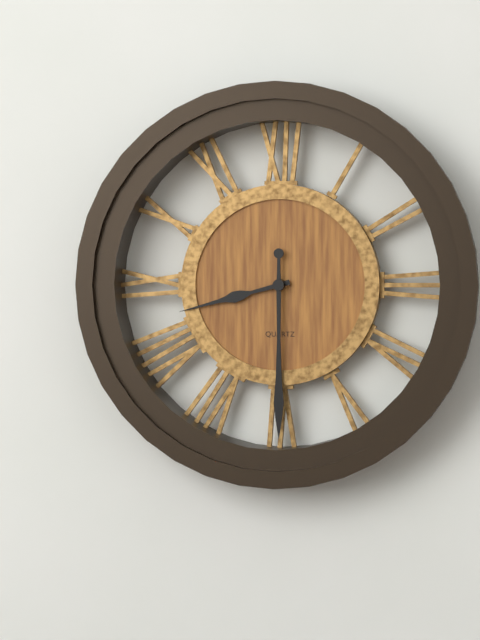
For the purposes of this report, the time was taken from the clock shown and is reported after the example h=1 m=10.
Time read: h=8 m=30
